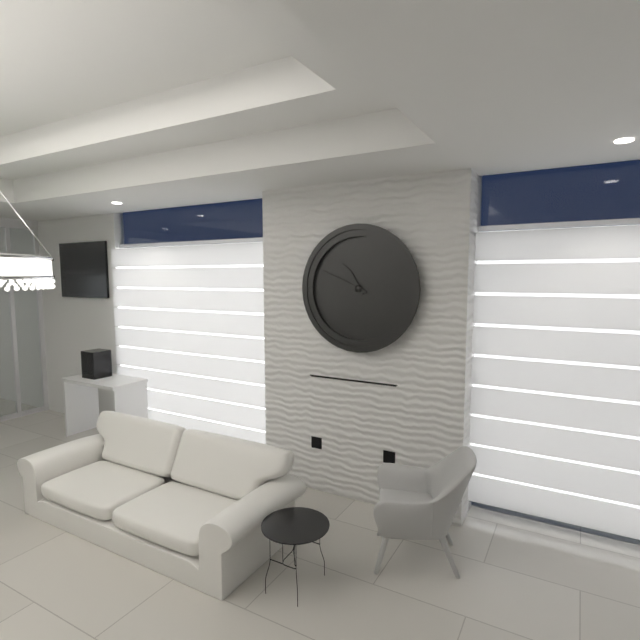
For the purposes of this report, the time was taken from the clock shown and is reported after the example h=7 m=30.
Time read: h=10 m=49
